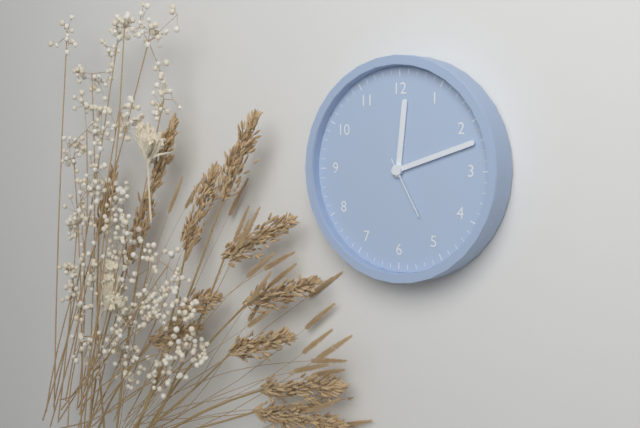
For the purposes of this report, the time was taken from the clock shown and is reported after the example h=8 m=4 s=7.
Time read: h=12 m=12 s=25
